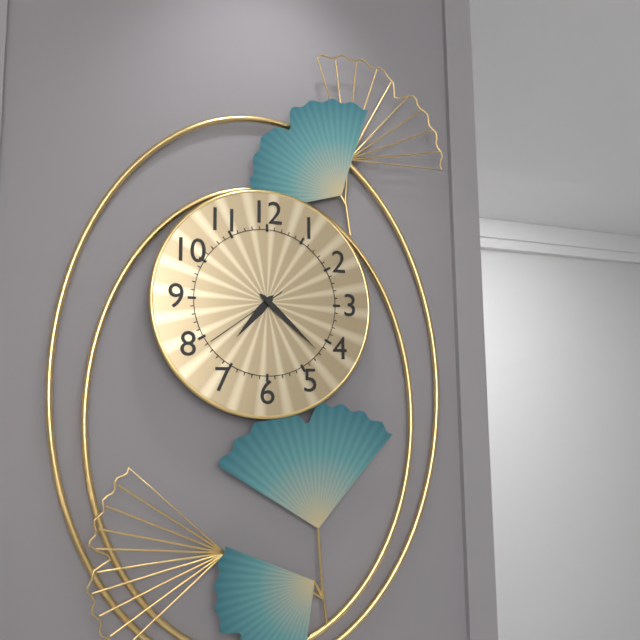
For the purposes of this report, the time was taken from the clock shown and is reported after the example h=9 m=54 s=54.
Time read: h=7 m=22 s=39
